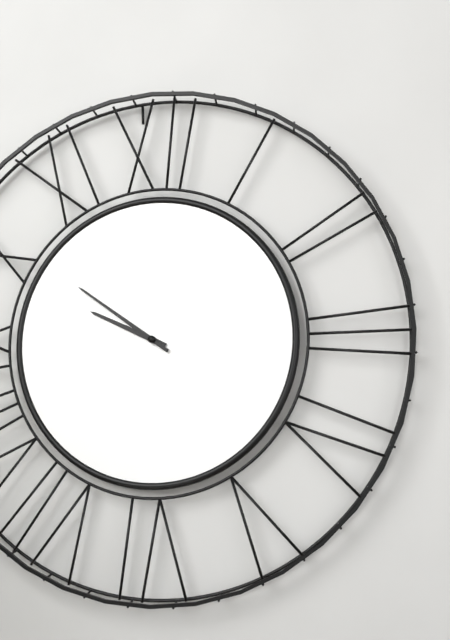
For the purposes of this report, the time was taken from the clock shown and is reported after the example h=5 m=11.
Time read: h=9 m=51
